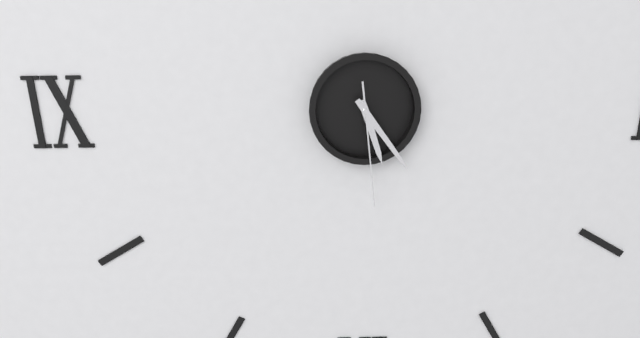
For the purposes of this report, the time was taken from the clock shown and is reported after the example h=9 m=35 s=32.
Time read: h=5 m=24 s=29
